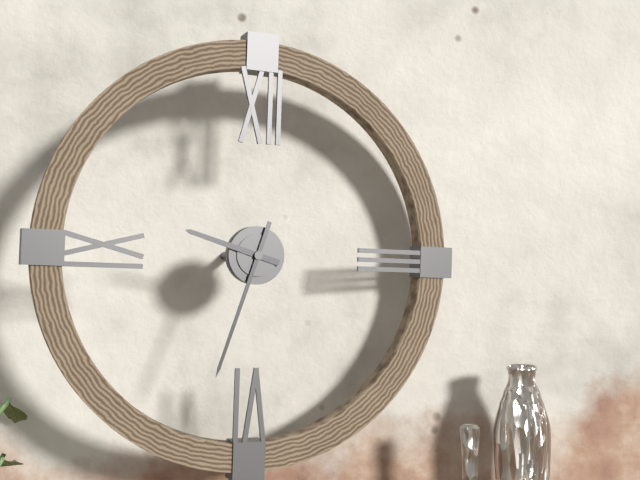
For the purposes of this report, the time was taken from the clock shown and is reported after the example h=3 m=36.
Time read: h=9 m=33
